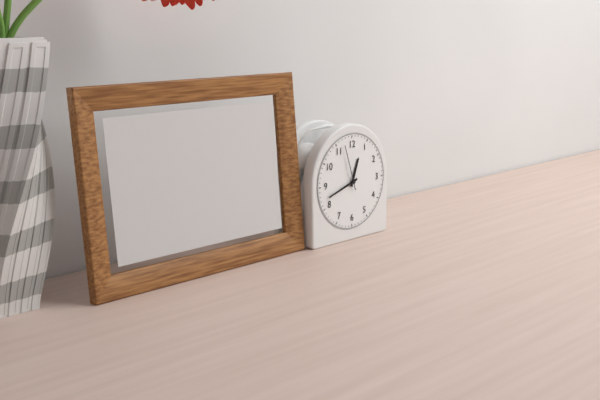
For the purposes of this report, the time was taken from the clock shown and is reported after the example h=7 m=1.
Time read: h=12 m=42
